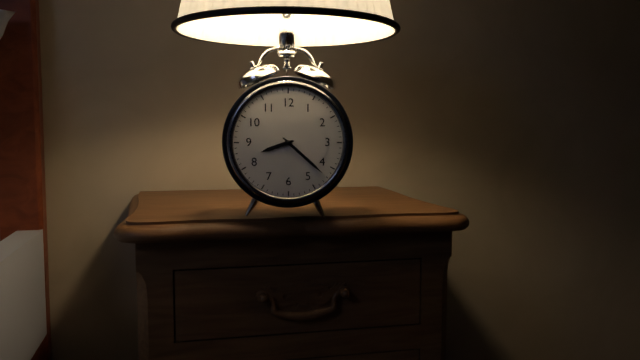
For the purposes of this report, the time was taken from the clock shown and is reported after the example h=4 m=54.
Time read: h=8 m=22
